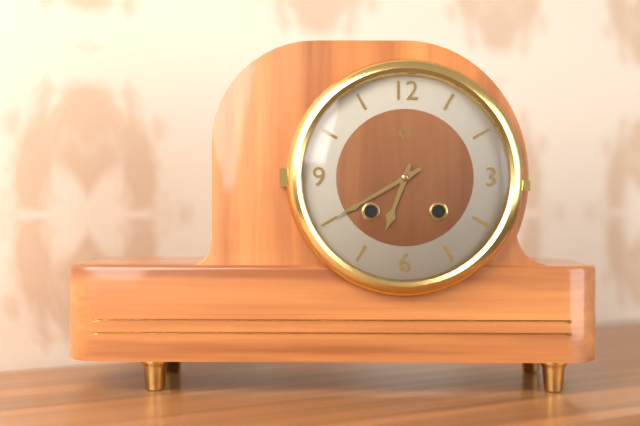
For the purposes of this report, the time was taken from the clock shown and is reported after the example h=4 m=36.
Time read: h=6 m=40
